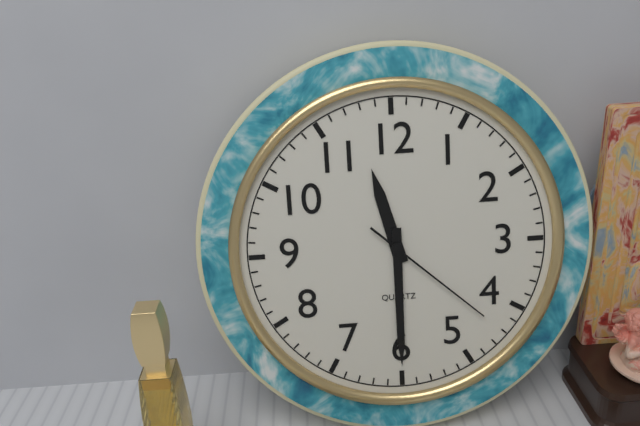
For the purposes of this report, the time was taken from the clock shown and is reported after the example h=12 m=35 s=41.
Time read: h=11 m=30 s=22
